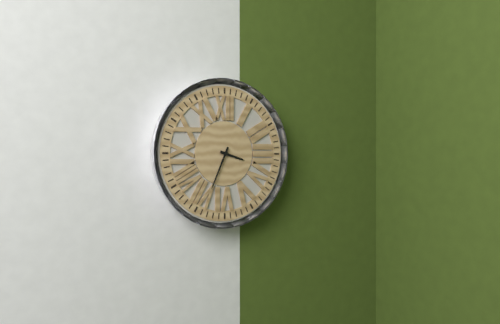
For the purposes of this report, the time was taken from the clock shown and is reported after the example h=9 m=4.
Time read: h=3 m=34
